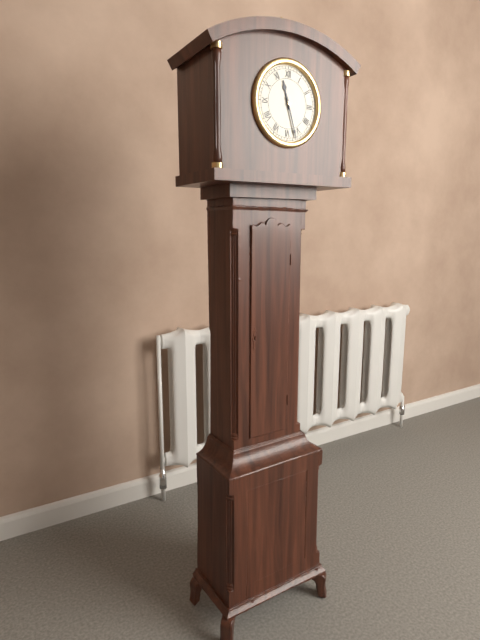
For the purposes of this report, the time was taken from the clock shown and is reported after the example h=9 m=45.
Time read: h=11 m=27
